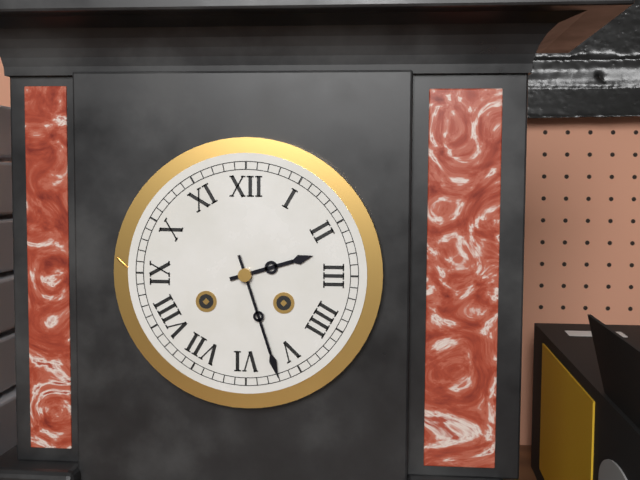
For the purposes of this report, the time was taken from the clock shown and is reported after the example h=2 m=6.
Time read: h=2 m=27
